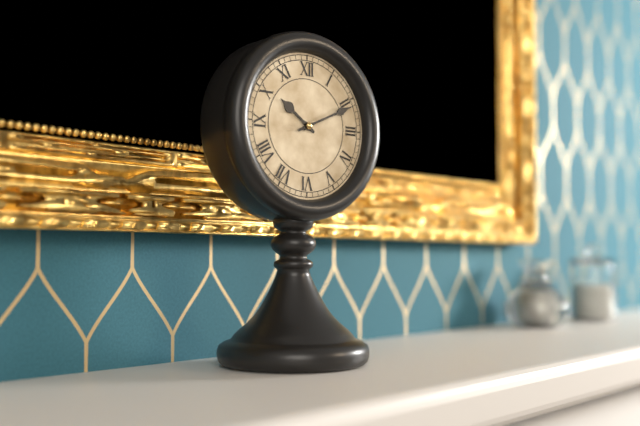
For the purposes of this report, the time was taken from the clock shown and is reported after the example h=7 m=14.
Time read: h=10 m=11
